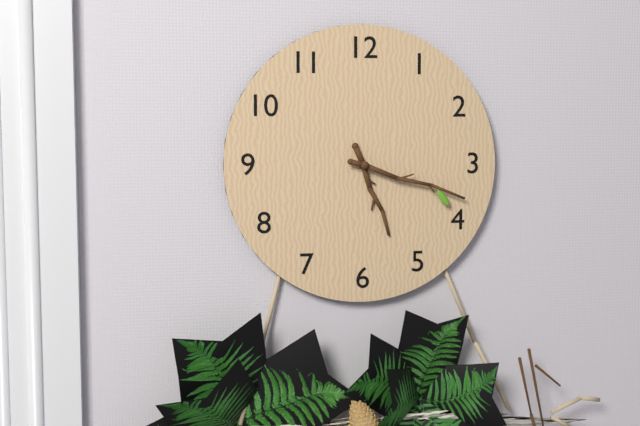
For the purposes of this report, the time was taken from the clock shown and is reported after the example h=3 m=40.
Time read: h=5 m=18
